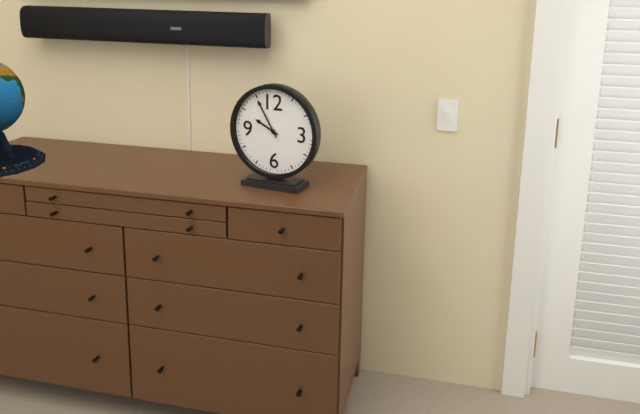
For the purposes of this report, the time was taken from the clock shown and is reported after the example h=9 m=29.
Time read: h=9 m=55
